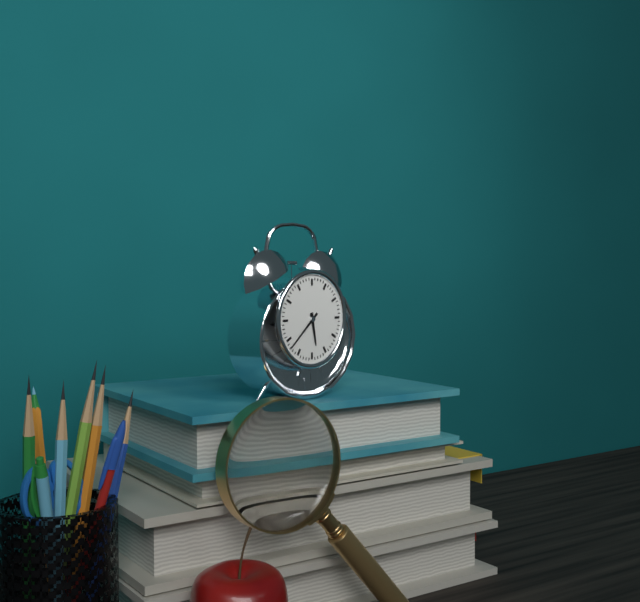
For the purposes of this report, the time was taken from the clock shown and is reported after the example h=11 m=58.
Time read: h=5 m=38
